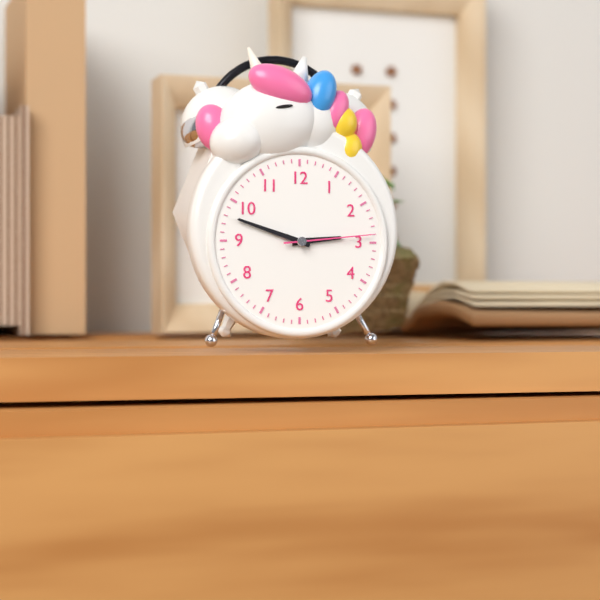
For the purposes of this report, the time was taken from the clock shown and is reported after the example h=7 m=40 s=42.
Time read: h=2 m=48 s=14
